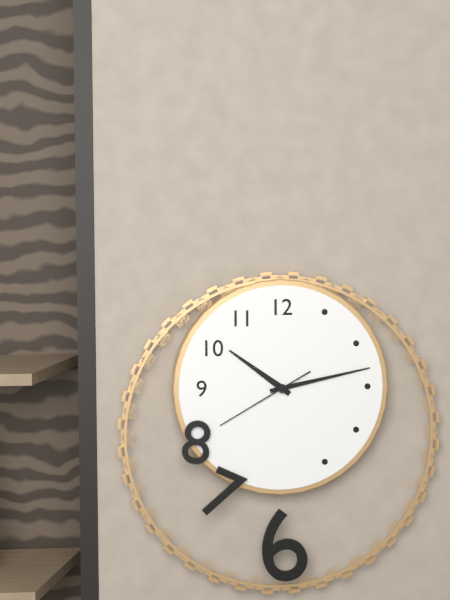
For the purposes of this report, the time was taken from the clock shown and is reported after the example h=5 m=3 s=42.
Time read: h=10 m=13 s=40
